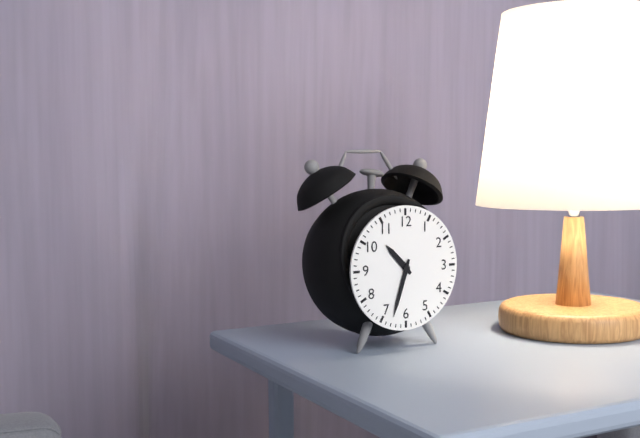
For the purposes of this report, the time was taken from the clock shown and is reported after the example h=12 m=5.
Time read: h=10 m=33
